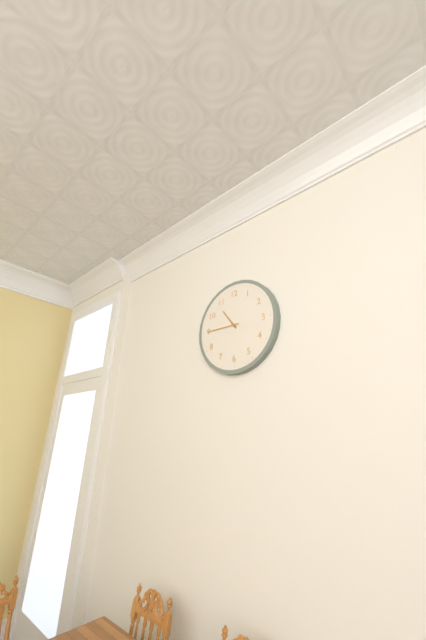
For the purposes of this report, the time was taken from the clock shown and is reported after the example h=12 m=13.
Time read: h=10 m=45
